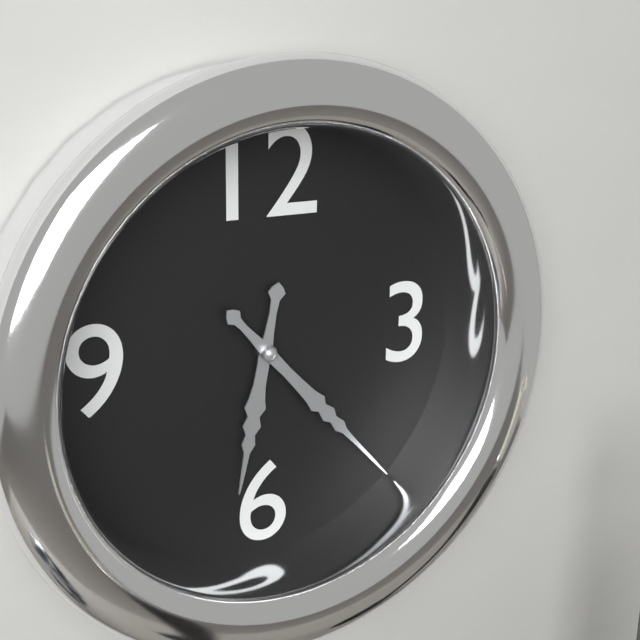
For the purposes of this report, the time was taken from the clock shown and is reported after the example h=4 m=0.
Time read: h=6 m=23
